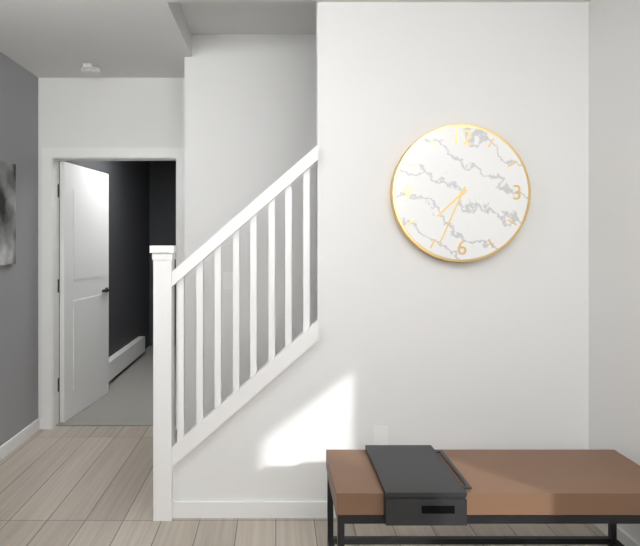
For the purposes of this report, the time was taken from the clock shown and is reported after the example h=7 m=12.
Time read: h=7 m=34
